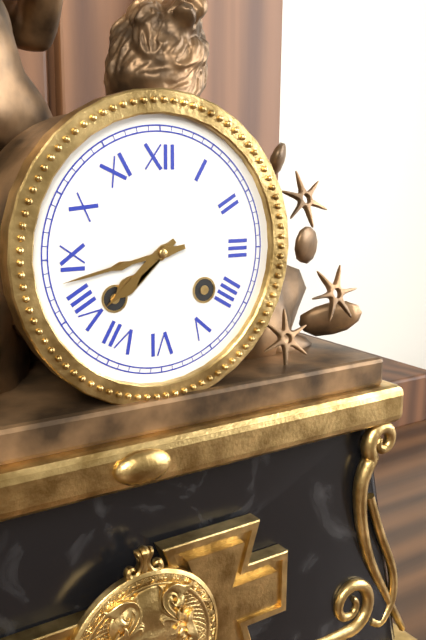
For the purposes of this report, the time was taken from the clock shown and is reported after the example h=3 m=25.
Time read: h=7 m=43
